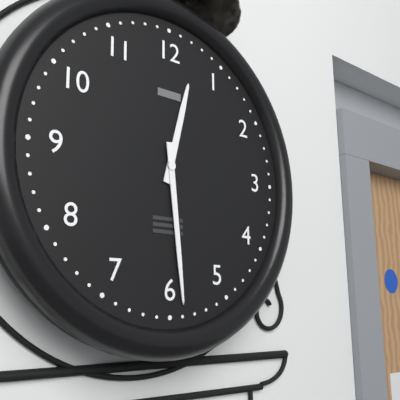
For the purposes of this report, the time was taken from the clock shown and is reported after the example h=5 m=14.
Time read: h=12 m=29
